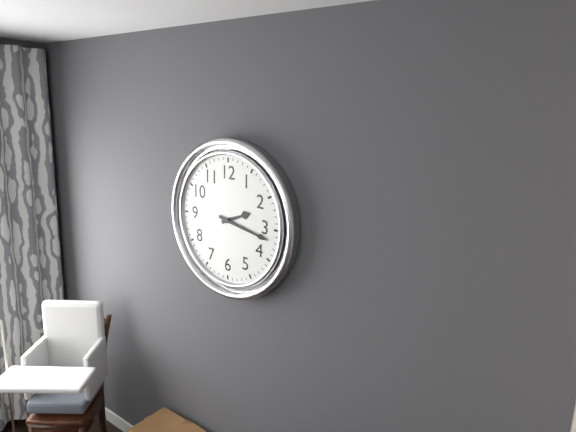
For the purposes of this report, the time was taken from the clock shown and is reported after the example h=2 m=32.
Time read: h=2 m=17
